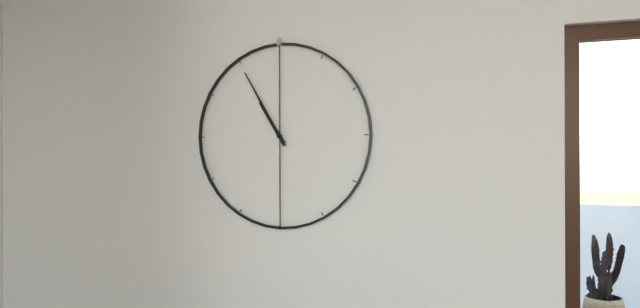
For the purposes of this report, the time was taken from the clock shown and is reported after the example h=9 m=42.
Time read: h=10 m=55
